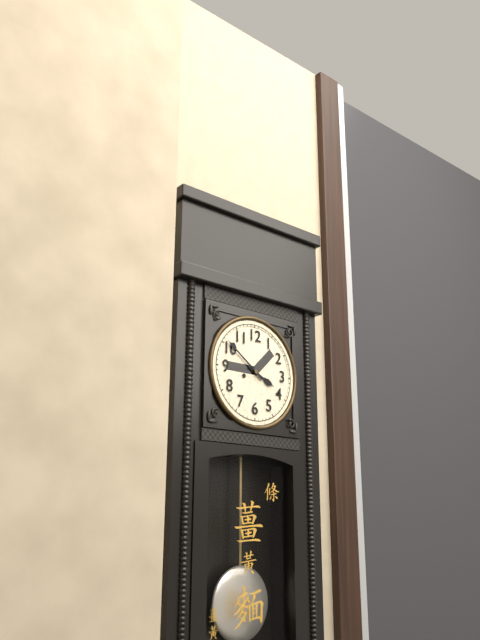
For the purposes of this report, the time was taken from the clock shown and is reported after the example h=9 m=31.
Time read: h=3 m=51
